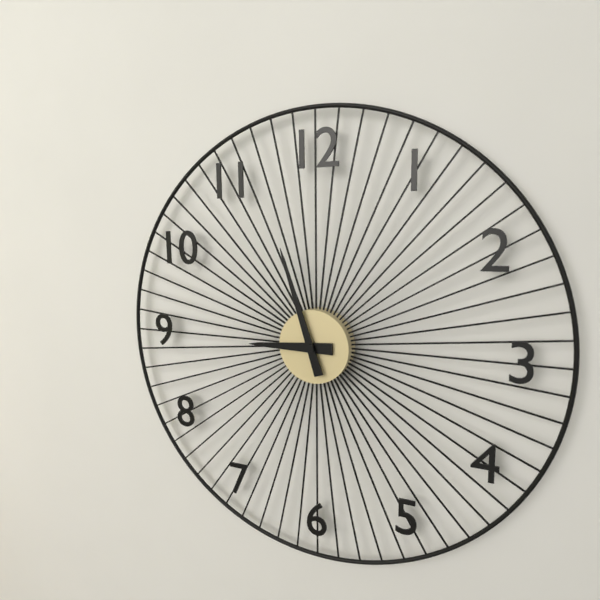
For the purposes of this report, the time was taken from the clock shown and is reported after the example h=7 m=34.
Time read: h=8 m=57
